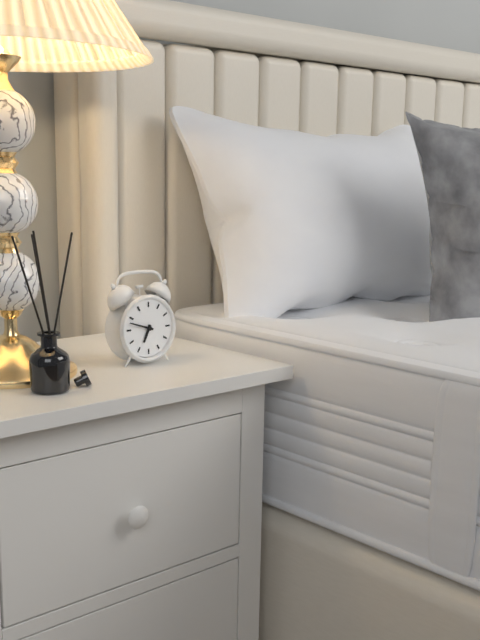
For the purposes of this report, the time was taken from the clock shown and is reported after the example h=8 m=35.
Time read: h=6 m=48
